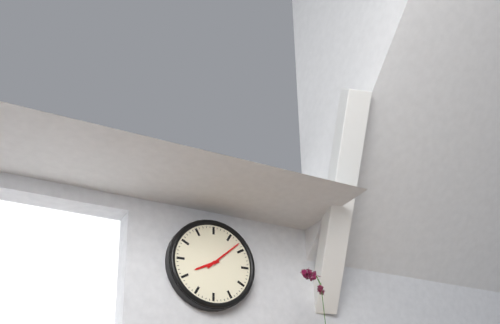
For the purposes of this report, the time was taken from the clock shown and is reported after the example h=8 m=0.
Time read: h=8 m=8
